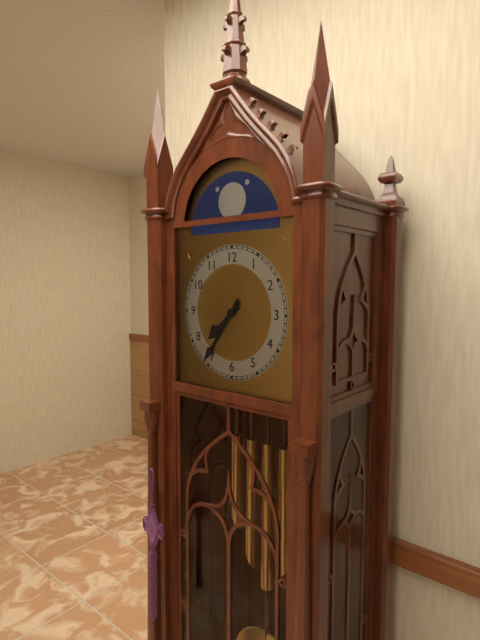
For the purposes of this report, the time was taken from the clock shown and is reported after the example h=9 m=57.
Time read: h=7 m=36
